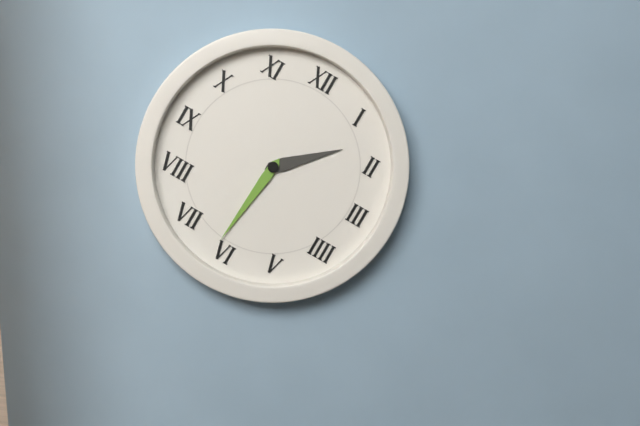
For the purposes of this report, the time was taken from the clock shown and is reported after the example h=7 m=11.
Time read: h=1 m=31
